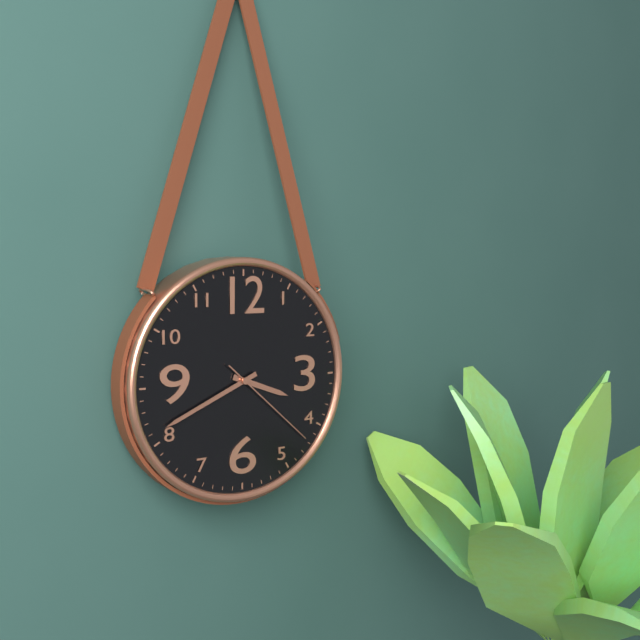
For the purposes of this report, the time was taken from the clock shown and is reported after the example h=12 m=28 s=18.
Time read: h=3 m=41 s=22
